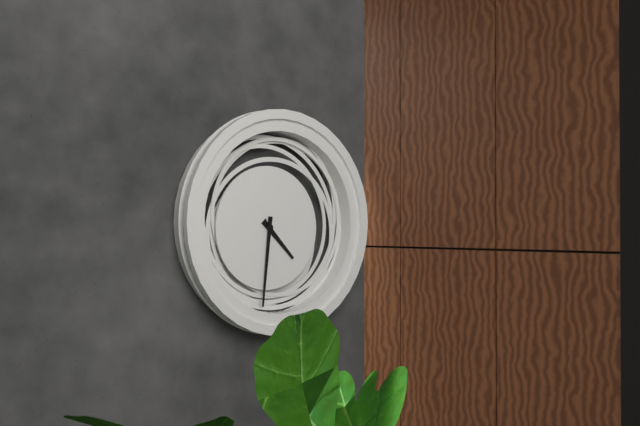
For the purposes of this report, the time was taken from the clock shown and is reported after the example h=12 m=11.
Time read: h=4 m=31
